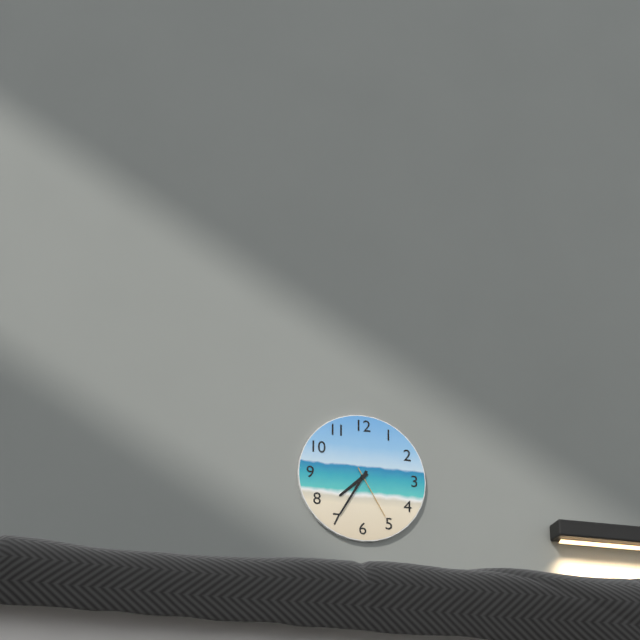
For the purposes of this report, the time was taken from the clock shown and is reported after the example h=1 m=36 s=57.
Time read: h=7 m=35 s=25
